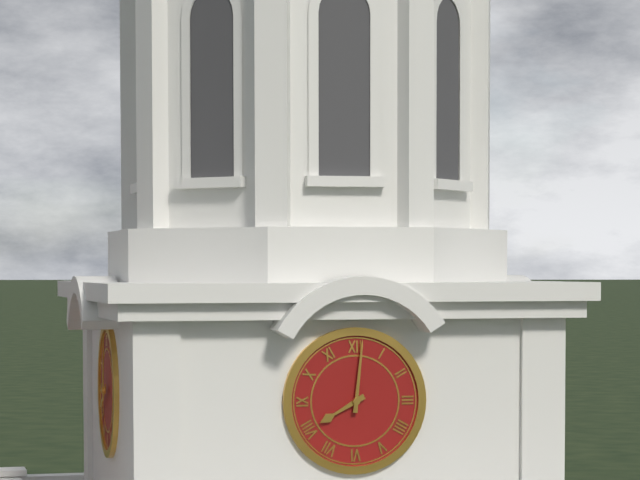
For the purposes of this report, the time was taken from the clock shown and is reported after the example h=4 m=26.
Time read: h=8 m=1
